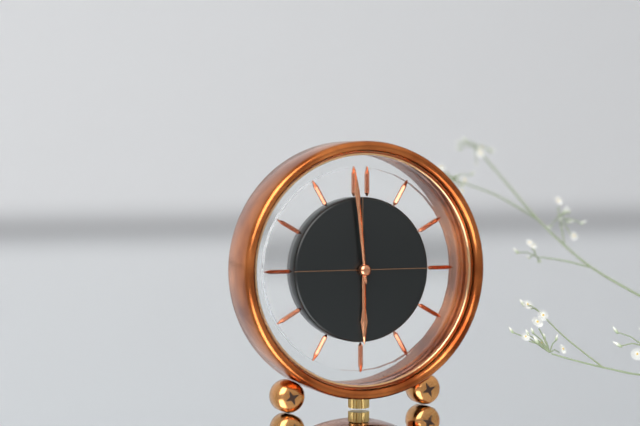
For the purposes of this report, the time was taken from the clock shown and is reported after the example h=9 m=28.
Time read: h=5 m=59
